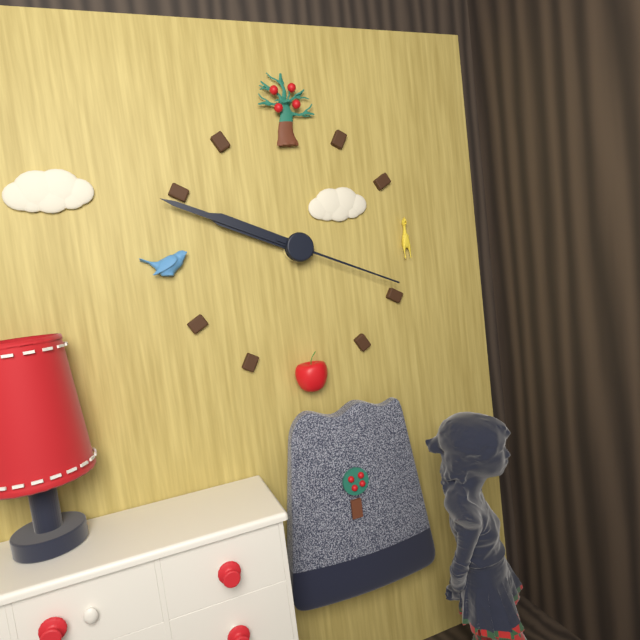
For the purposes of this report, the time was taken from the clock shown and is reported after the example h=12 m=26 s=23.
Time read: h=9 m=49 s=19
